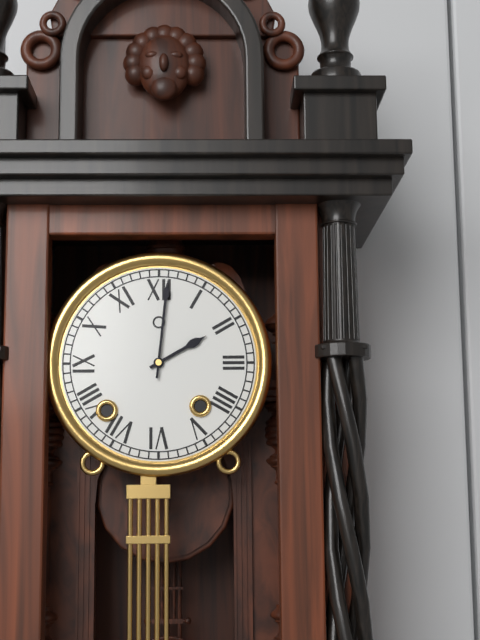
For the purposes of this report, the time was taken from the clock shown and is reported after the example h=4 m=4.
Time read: h=2 m=1
